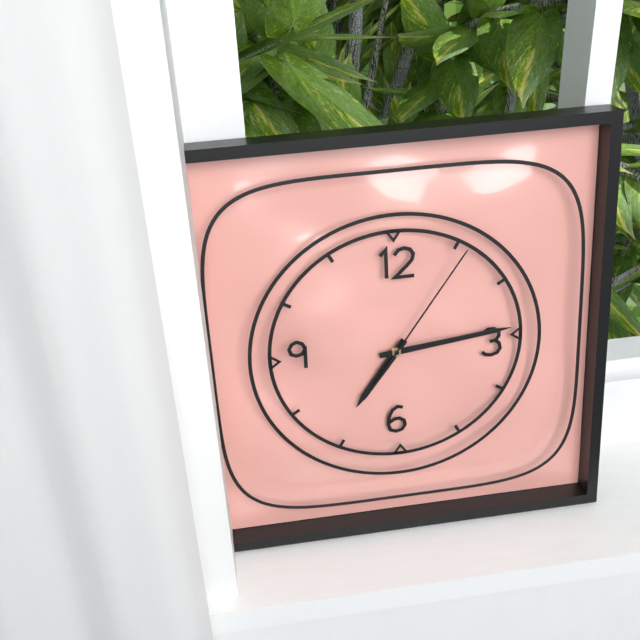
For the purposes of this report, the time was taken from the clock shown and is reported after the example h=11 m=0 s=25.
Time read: h=7 m=14 s=6
